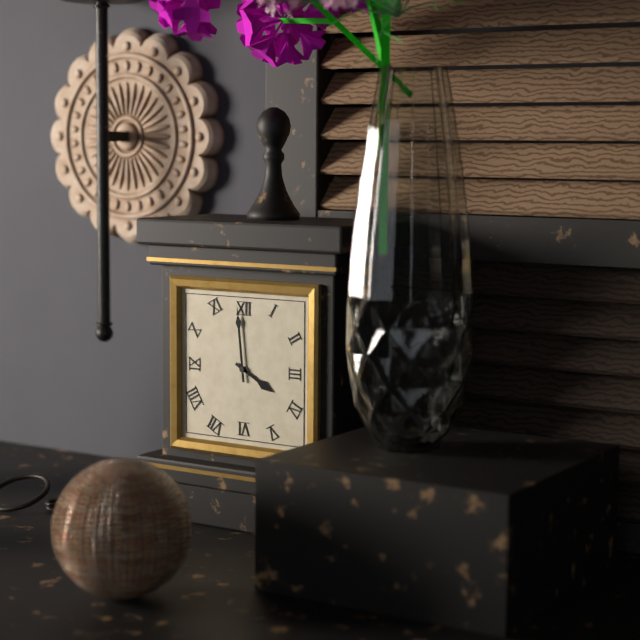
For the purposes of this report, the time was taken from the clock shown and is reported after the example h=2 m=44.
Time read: h=3 m=59
